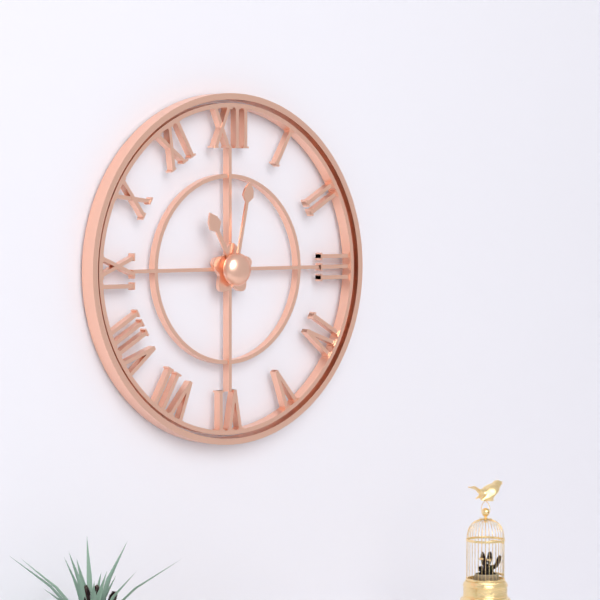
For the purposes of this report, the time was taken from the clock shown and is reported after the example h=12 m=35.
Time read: h=11 m=2
